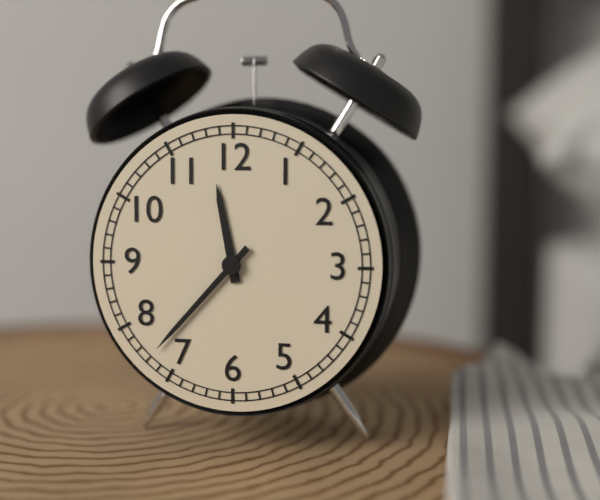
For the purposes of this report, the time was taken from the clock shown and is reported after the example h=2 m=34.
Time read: h=11 m=37
